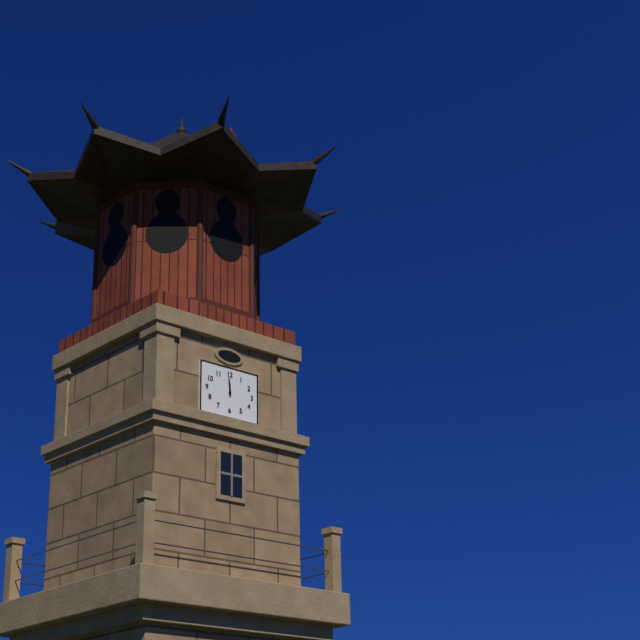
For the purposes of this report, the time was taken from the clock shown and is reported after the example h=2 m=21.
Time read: h=11 m=59
